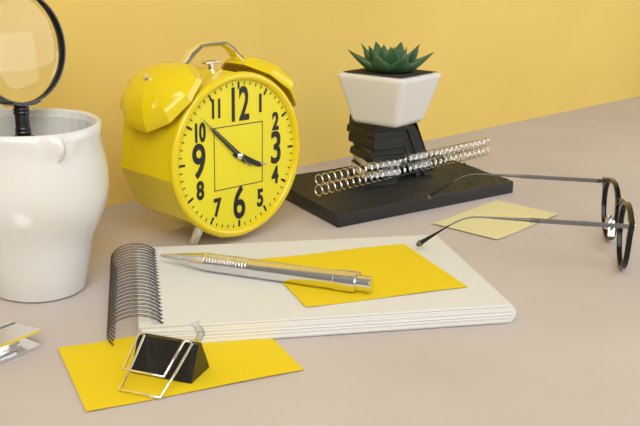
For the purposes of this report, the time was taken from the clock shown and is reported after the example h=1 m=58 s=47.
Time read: h=3 m=52 s=52
